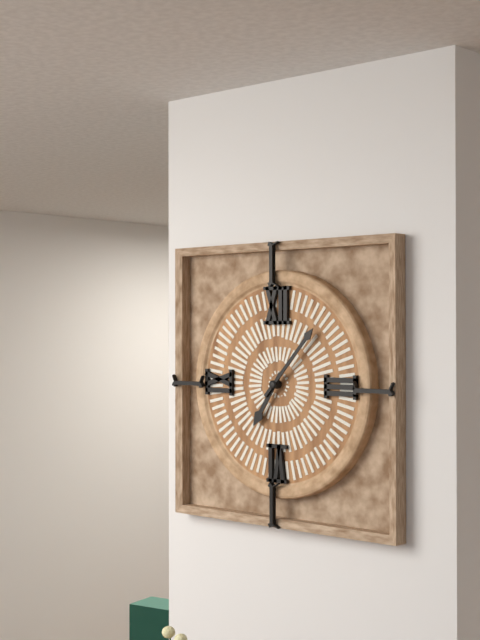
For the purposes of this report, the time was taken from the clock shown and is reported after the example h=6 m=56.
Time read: h=7 m=7
